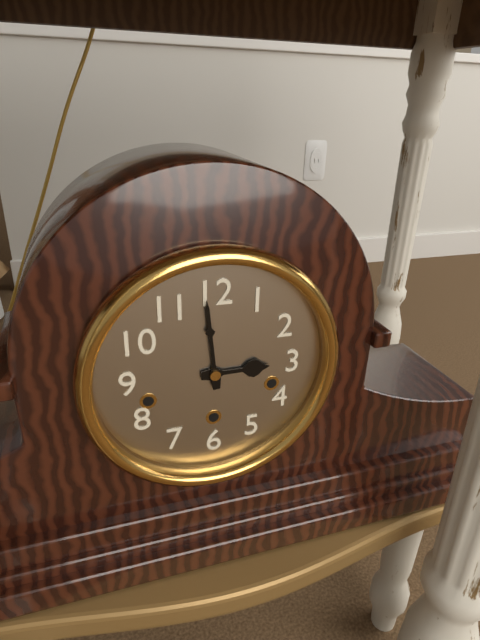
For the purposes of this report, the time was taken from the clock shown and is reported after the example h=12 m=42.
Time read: h=2 m=59
